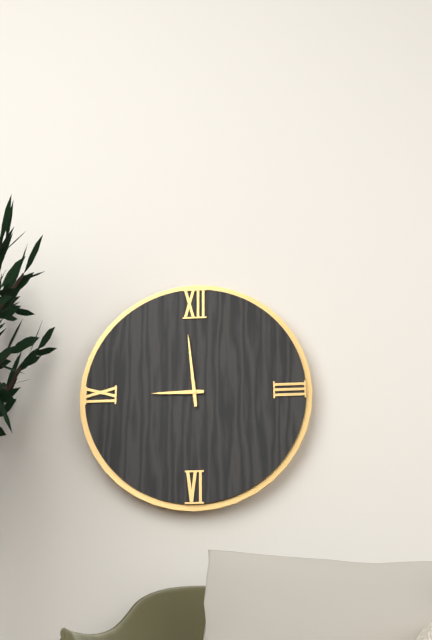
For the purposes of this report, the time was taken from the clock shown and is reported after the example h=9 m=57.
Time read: h=8 m=59
